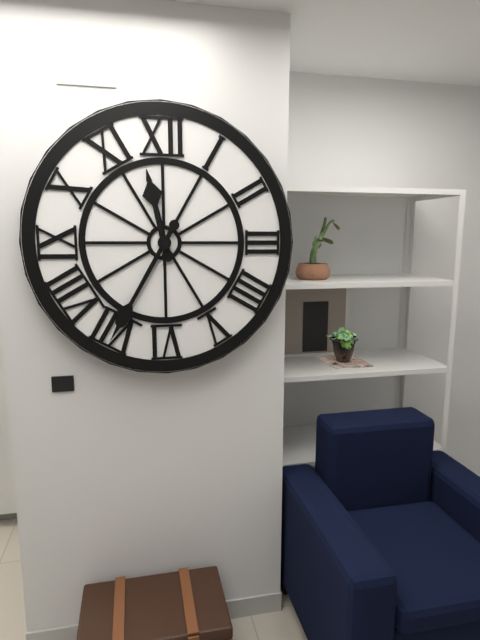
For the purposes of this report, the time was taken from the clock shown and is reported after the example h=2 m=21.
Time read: h=11 m=35
